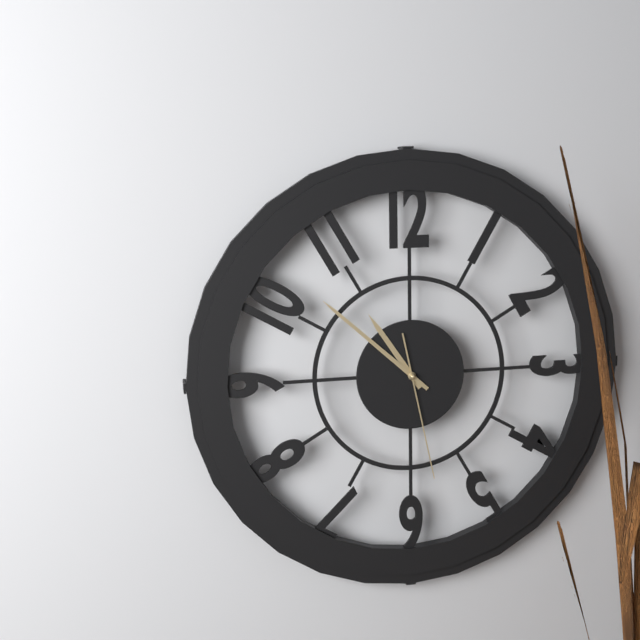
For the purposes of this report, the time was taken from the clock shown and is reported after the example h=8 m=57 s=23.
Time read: h=10 m=52 s=28
